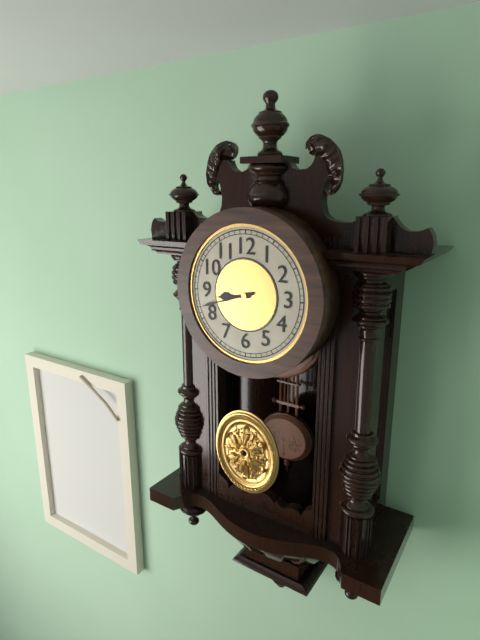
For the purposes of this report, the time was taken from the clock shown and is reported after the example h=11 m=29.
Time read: h=8 m=42
